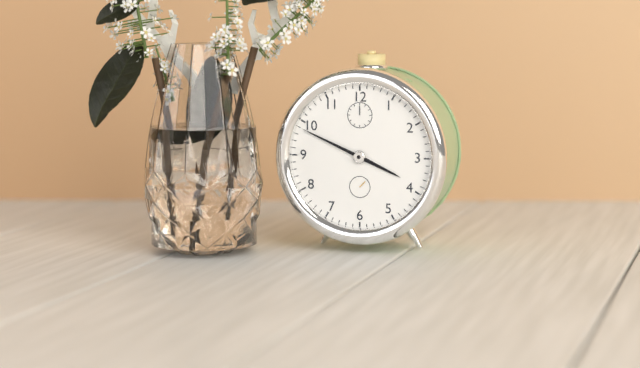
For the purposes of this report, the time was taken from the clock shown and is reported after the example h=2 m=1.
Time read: h=3 m=49
